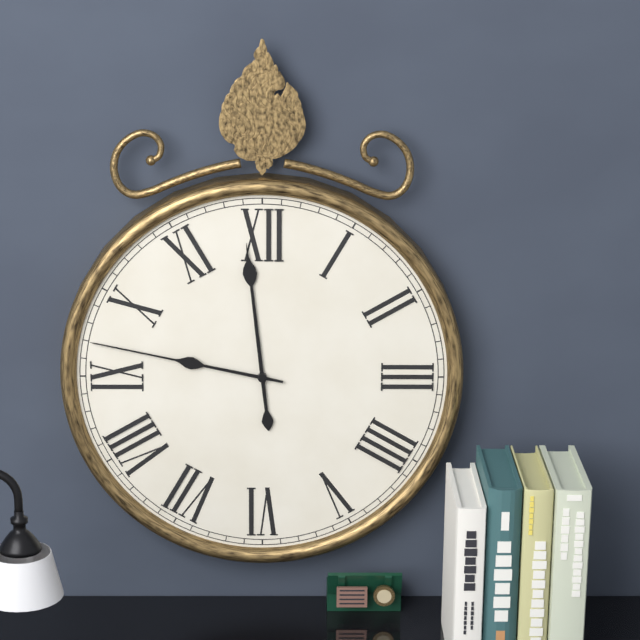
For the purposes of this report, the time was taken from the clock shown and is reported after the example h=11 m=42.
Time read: h=11 m=47
